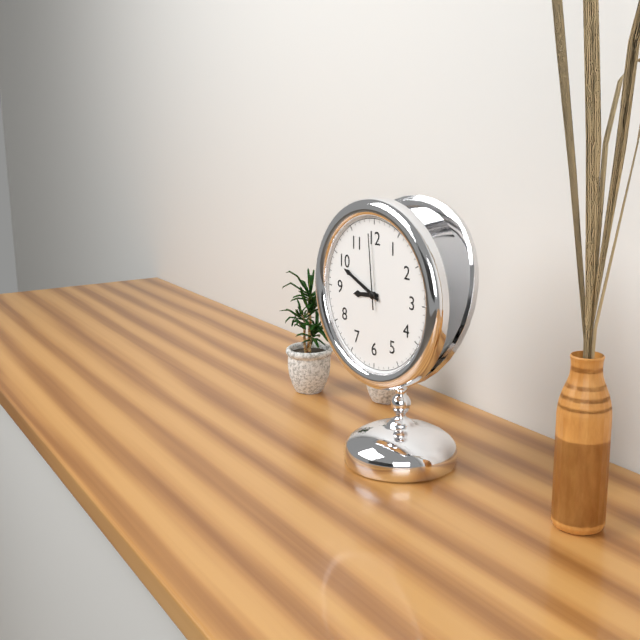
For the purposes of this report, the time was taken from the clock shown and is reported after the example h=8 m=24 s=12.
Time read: h=8 m=49 s=59
